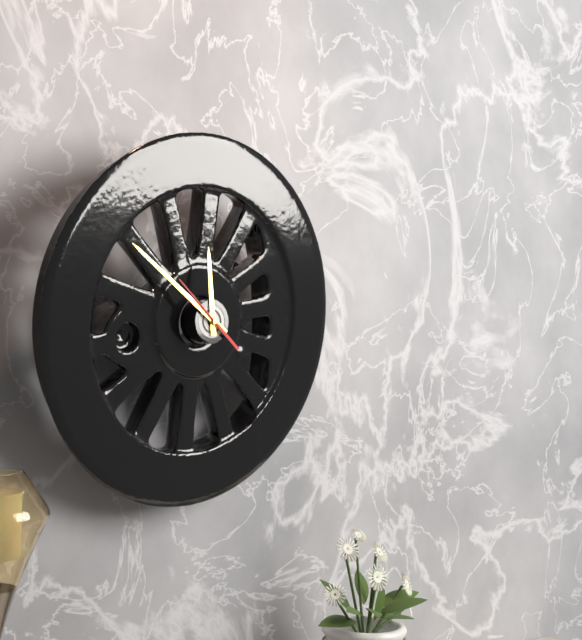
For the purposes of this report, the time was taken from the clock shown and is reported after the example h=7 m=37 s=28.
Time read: h=11 m=51 s=52
